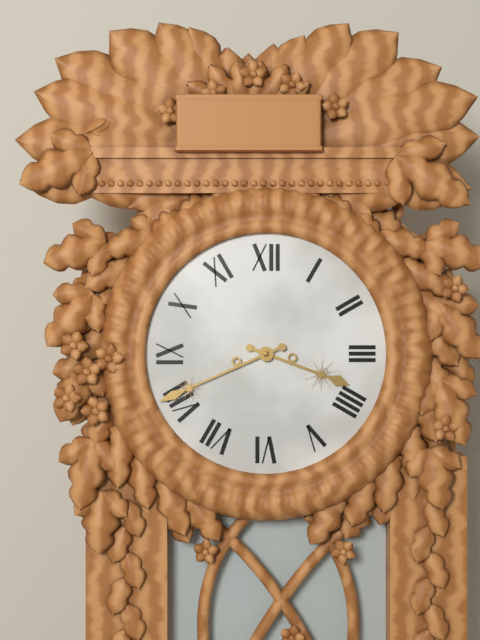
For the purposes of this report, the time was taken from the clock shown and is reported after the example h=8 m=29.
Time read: h=3 m=41
